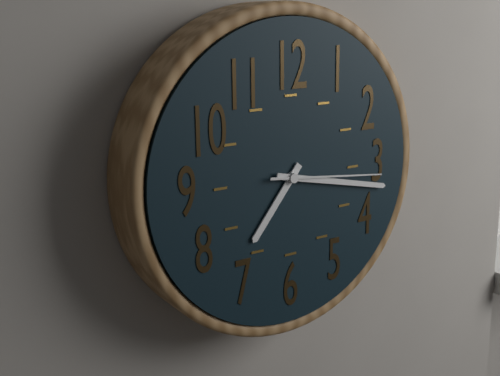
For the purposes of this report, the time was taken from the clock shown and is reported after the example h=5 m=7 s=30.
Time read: h=7 m=17 s=16
